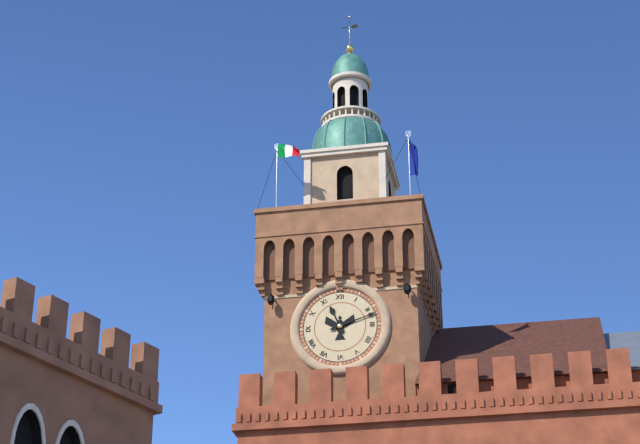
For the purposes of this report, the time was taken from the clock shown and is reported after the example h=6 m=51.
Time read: h=11 m=12
